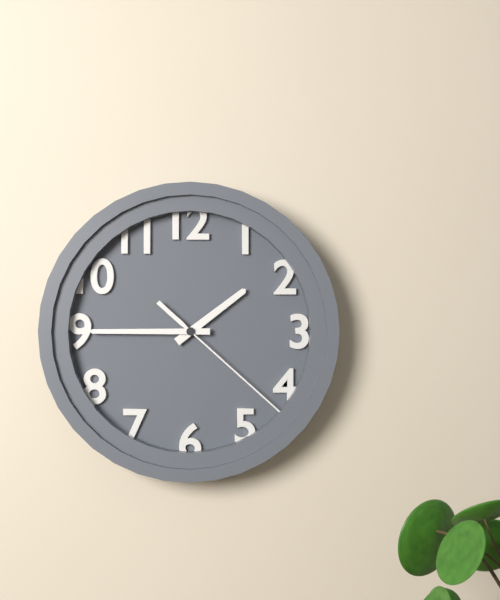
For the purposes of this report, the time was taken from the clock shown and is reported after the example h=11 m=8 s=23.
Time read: h=1 m=45 s=22
